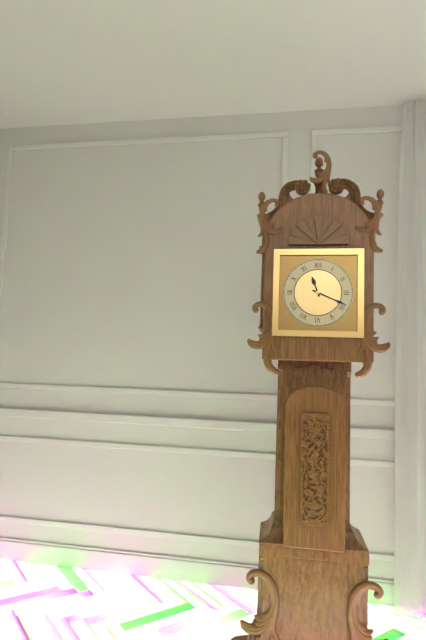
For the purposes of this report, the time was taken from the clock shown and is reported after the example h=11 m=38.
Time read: h=11 m=19
